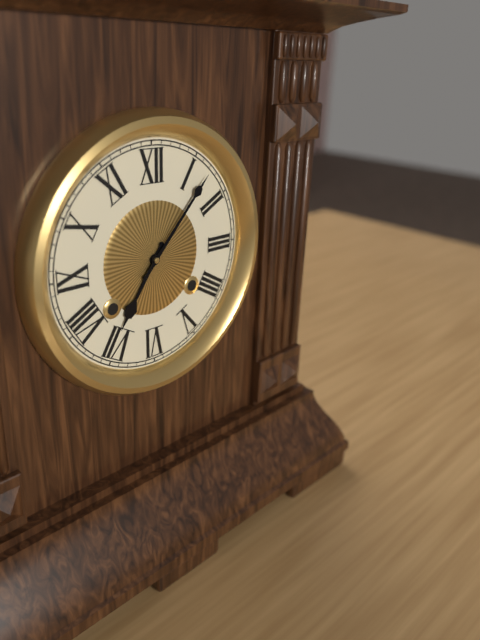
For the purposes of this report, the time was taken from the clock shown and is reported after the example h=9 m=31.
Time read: h=7 m=7
